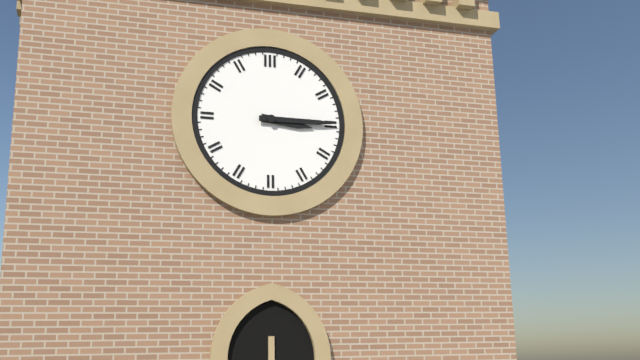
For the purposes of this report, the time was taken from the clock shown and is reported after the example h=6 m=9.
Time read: h=3 m=15
